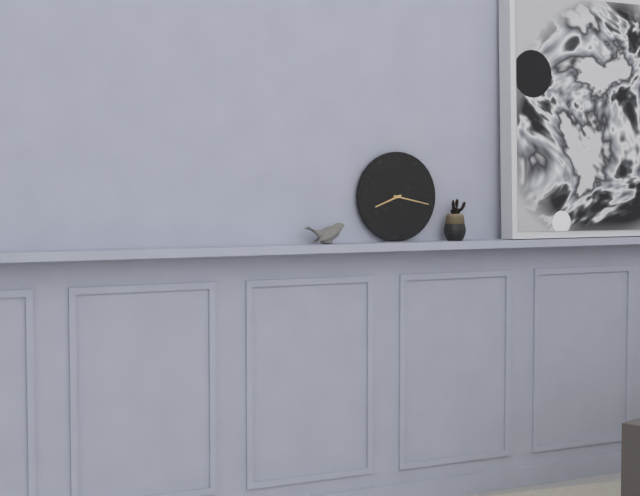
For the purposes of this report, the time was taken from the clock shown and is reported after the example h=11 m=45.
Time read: h=8 m=17
